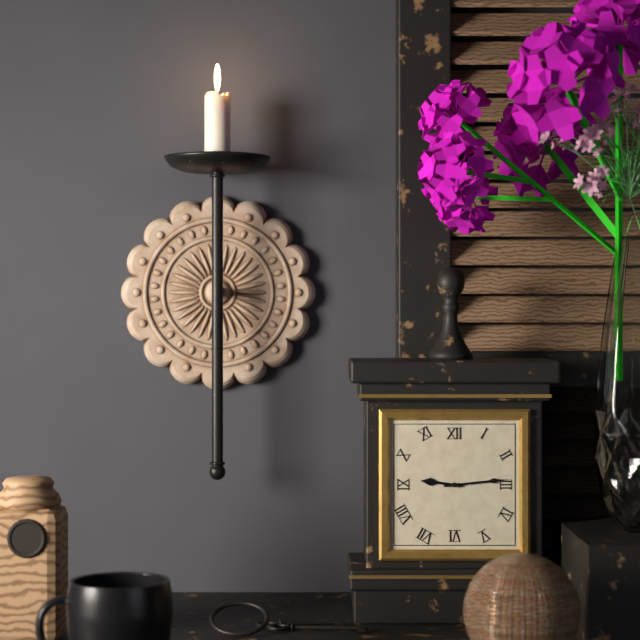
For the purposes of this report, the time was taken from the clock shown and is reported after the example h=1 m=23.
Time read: h=9 m=14
